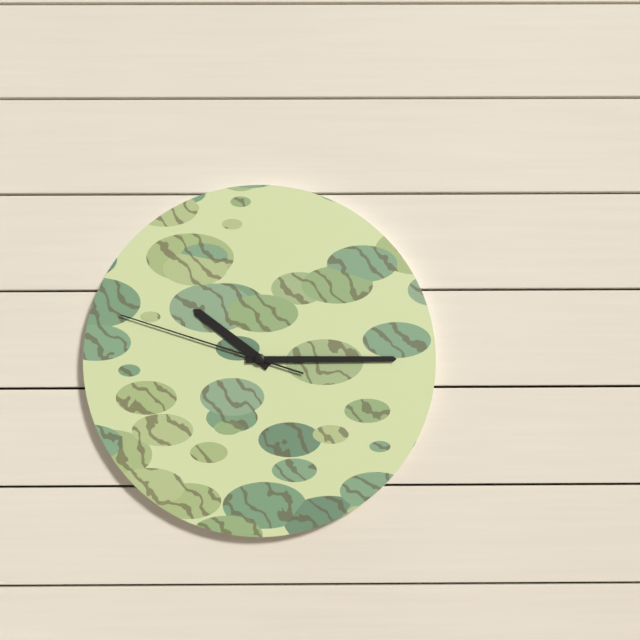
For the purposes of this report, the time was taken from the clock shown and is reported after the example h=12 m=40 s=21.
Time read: h=10 m=15 s=48
